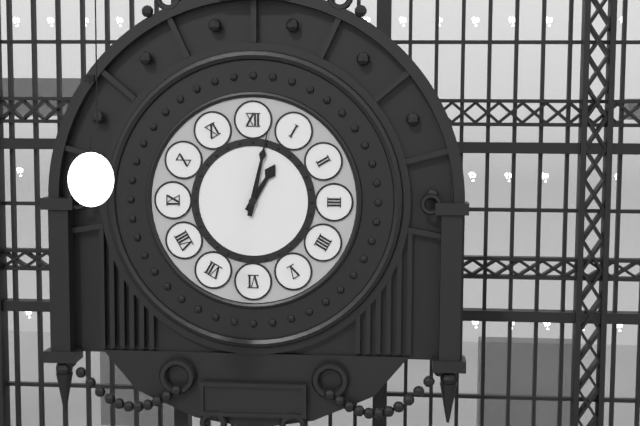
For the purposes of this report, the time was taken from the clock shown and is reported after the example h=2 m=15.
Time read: h=1 m=2
